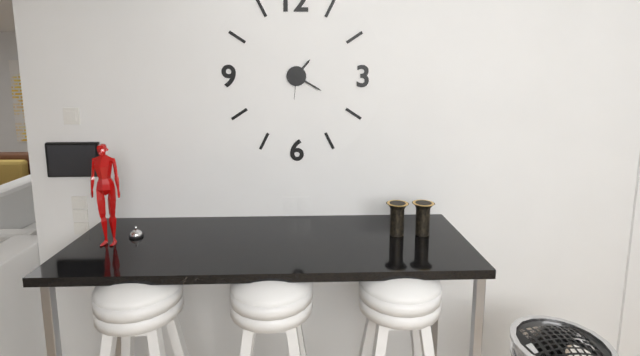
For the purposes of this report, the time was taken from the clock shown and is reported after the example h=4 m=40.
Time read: h=1 m=20
